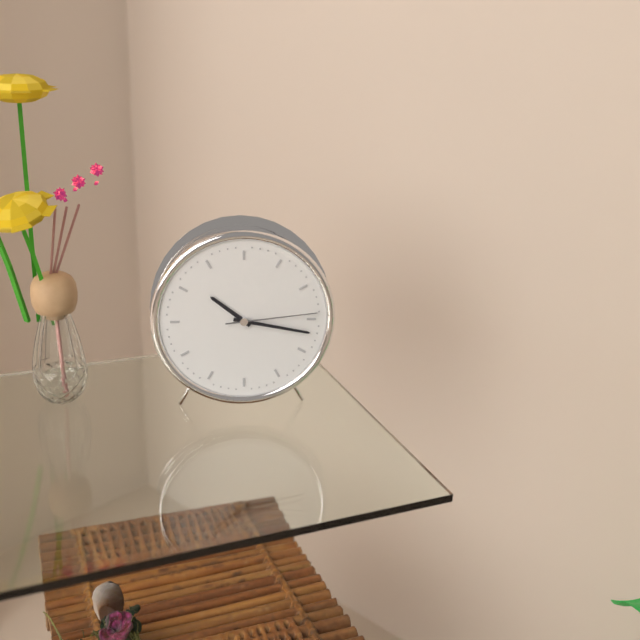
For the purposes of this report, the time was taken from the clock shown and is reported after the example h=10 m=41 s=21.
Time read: h=10 m=17 s=14
